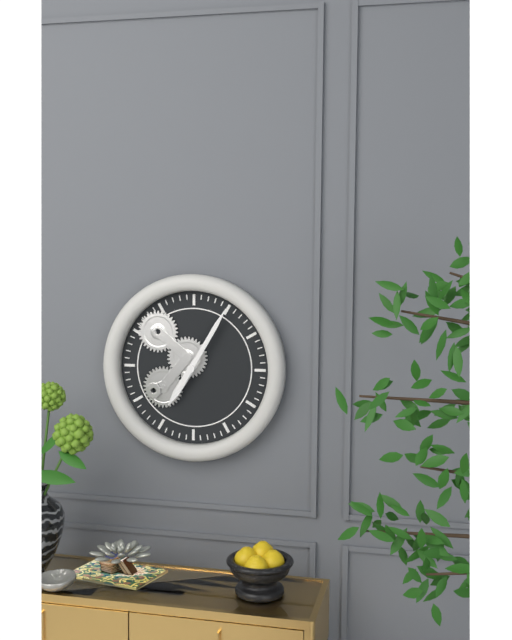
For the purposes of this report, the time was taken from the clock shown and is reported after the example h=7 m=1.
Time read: h=7 m=5
